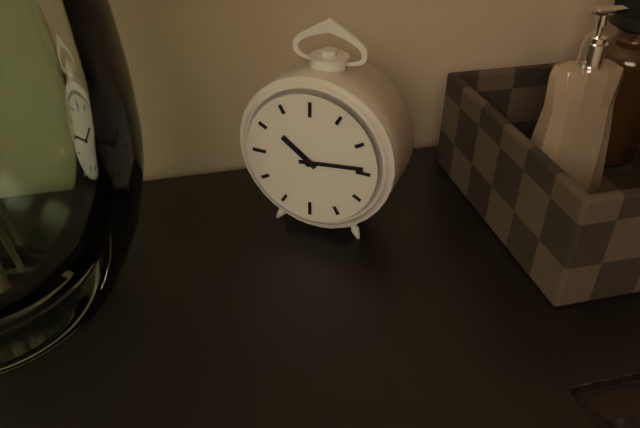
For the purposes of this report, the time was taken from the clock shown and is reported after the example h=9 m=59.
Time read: h=10 m=14
